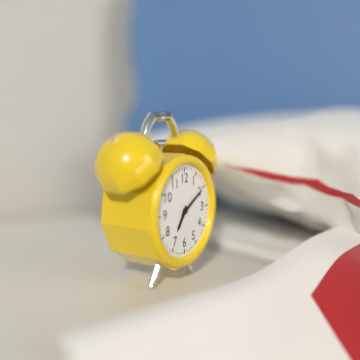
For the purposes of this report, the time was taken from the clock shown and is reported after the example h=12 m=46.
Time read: h=7 m=10
